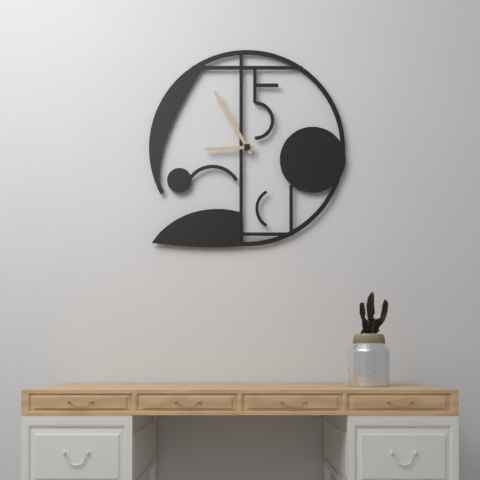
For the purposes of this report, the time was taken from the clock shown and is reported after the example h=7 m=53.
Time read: h=8 m=55
